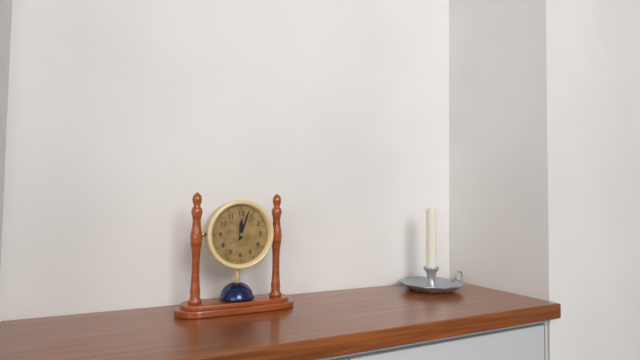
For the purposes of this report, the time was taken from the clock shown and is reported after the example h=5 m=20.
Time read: h=12 m=3
